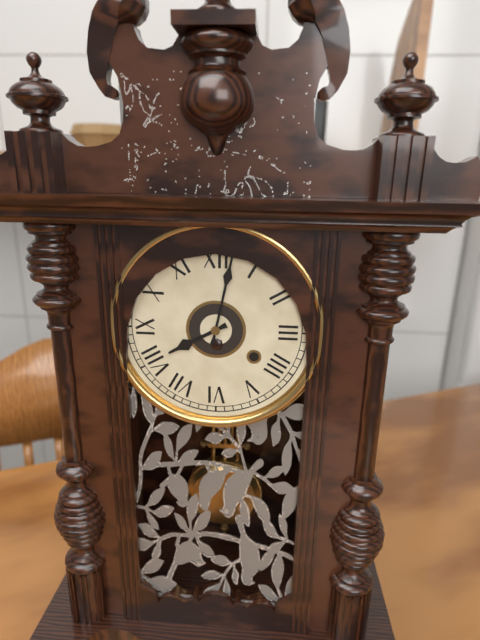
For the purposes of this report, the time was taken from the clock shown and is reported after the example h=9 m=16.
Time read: h=8 m=2
